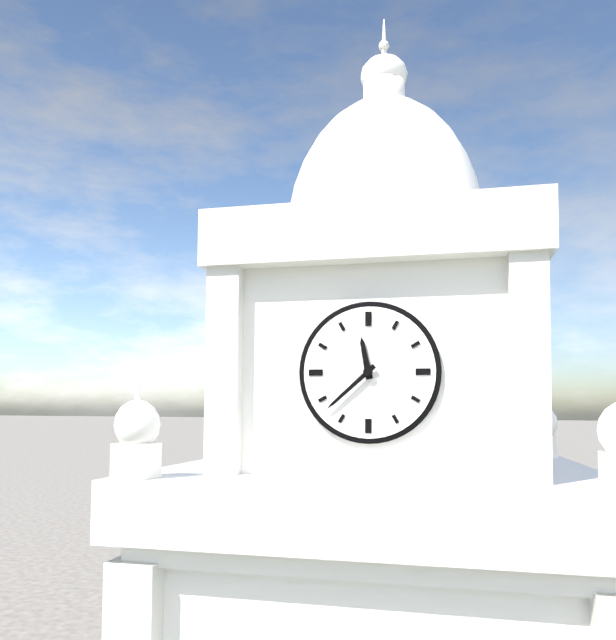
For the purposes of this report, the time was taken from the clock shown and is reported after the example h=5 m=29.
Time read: h=11 m=38
